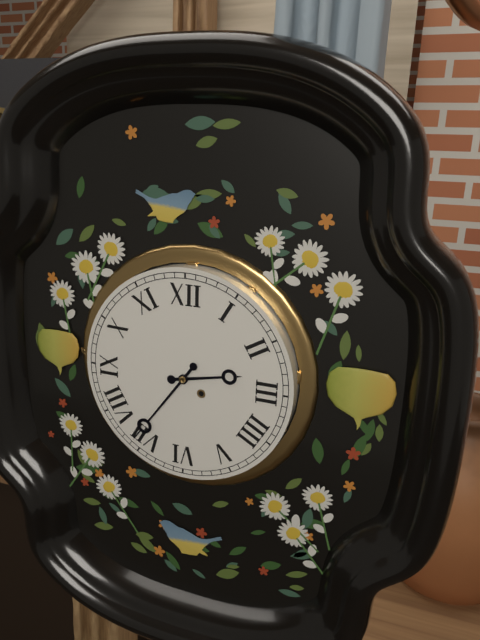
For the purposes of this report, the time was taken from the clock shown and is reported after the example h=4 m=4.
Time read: h=2 m=36
